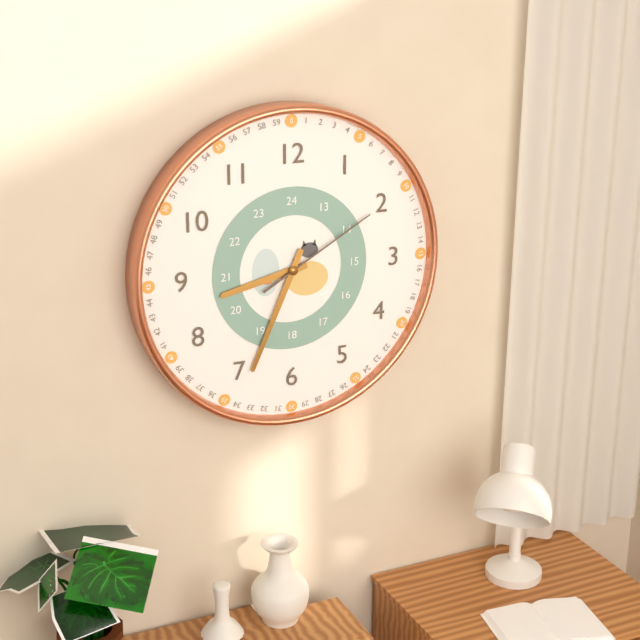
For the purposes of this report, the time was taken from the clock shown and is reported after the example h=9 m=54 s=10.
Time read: h=8 m=34 s=10
